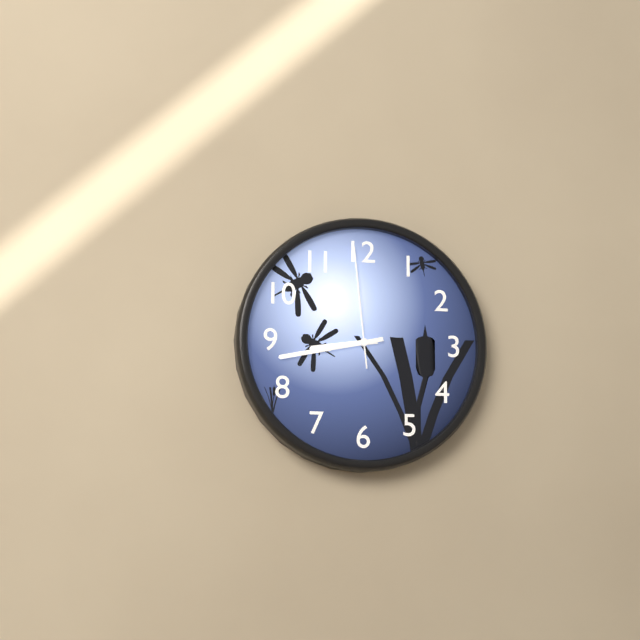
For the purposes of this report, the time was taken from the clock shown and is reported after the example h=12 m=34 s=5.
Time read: h=8 m=43 s=59
